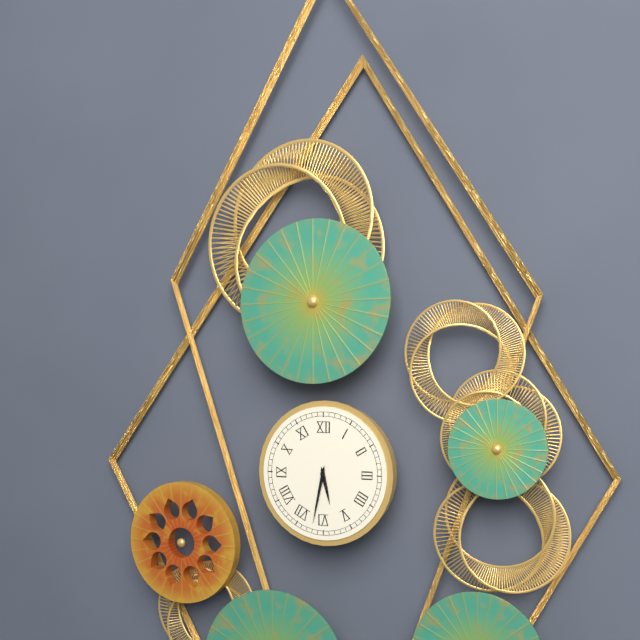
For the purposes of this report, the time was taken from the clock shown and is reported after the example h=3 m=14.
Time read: h=5 m=32
